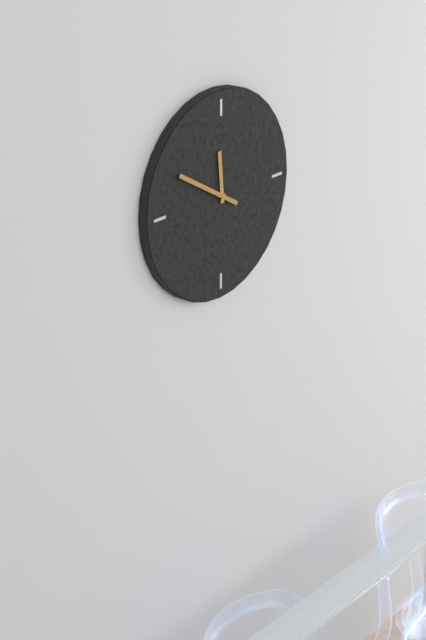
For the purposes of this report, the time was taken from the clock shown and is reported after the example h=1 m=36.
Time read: h=11 m=50
